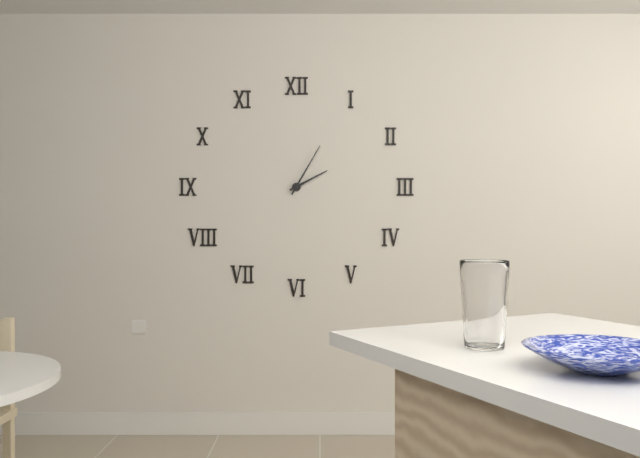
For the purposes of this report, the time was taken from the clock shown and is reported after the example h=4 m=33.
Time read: h=2 m=5
